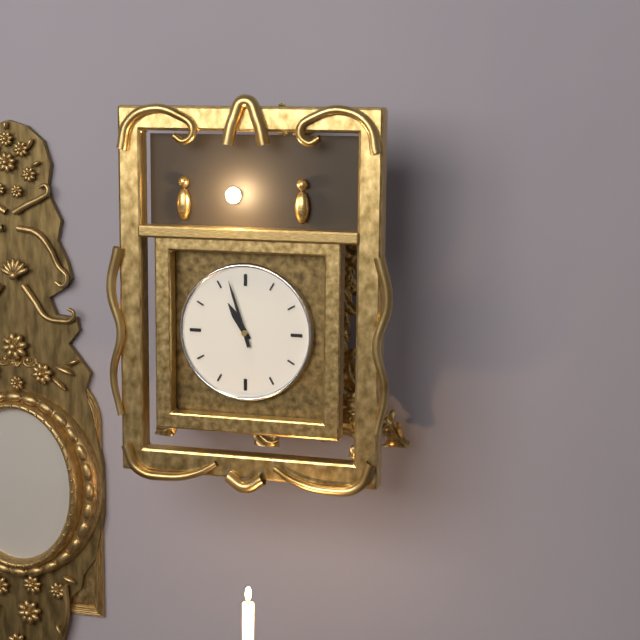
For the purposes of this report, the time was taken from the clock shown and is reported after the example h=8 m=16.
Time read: h=10 m=57
